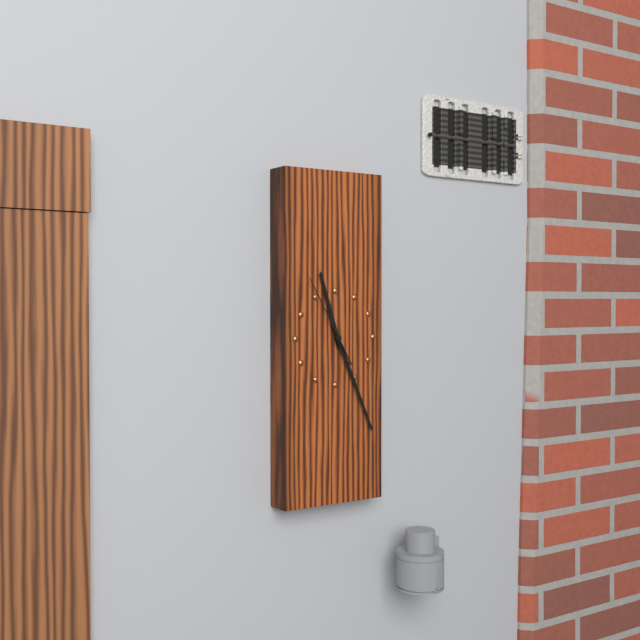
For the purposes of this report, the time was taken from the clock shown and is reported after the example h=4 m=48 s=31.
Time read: h=11 m=26 s=55
